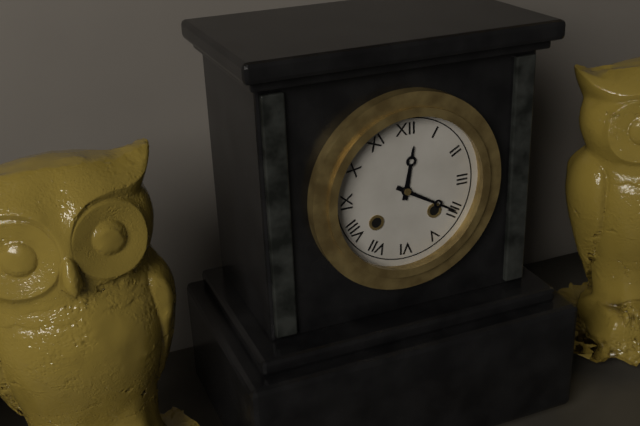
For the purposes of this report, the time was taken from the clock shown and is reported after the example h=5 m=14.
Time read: h=12 m=20
